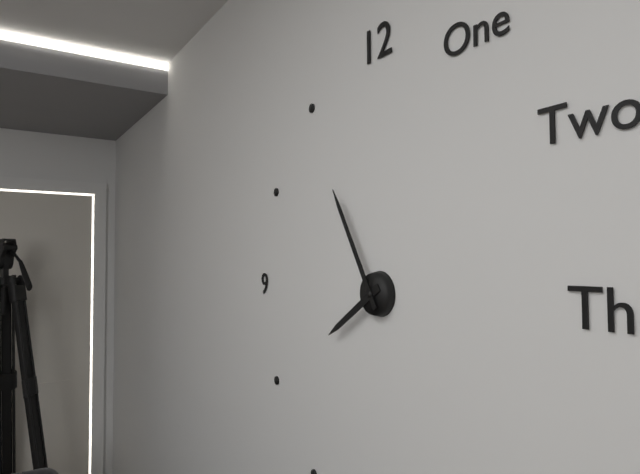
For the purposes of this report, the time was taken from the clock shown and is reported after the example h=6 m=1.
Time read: h=7 m=55
